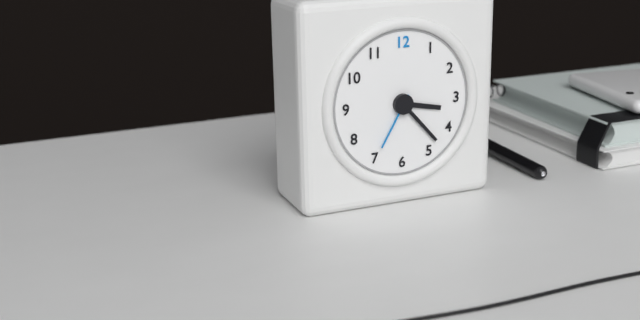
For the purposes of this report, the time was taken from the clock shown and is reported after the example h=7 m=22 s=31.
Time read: h=3 m=23 s=35
